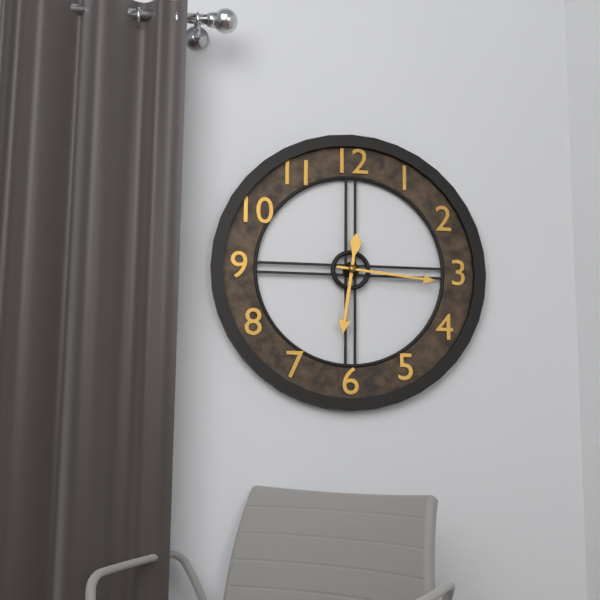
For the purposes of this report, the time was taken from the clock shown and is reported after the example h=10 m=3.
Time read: h=6 m=16
